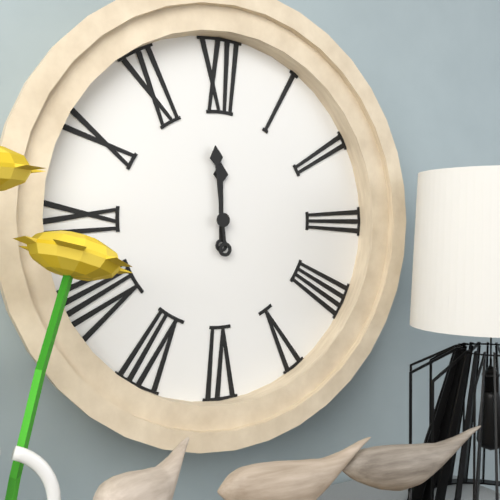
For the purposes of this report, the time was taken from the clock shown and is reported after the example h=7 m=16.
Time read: h=11 m=59
